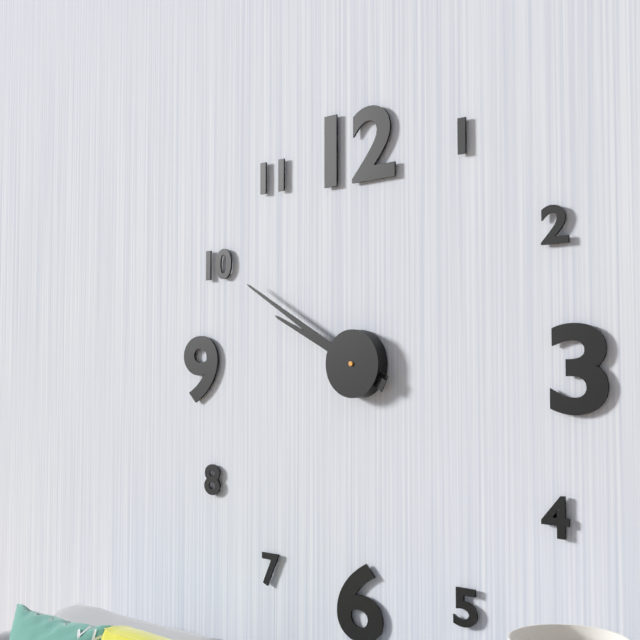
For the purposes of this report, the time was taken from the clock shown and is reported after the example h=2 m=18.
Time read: h=9 m=50
